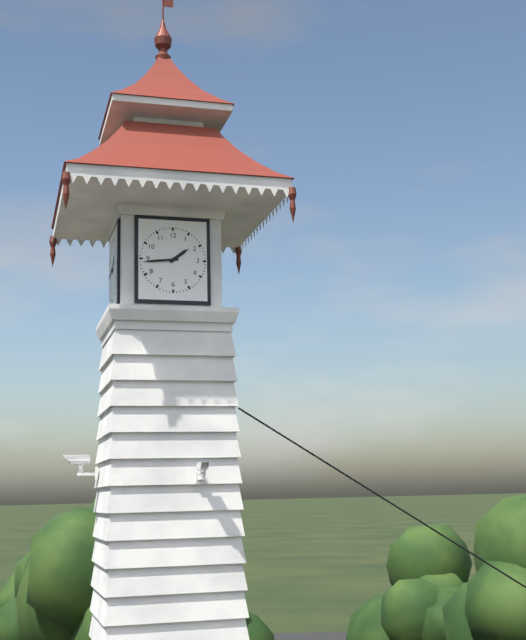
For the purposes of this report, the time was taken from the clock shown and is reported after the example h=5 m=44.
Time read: h=1 m=44
